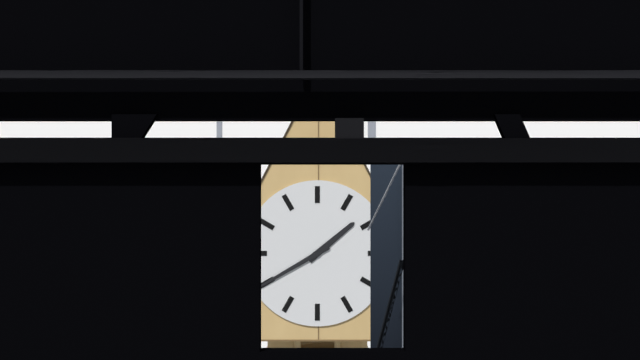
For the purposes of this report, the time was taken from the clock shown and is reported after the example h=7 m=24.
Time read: h=1 m=40
